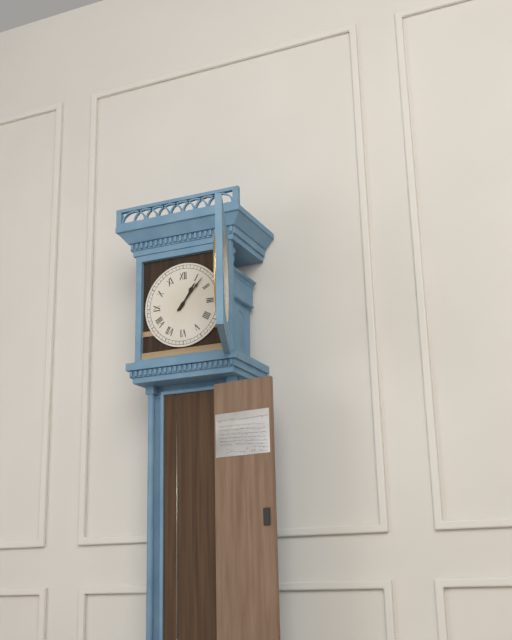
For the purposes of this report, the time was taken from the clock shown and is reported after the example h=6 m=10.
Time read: h=1 m=7
